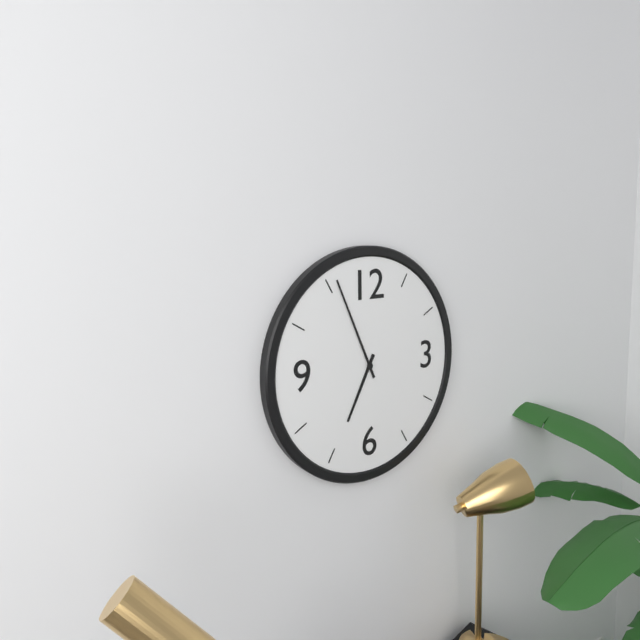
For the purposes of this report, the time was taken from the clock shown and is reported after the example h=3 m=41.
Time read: h=6 m=56
